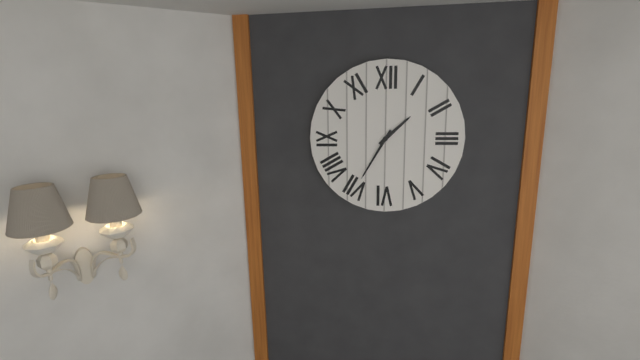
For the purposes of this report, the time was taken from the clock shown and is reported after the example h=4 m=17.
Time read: h=1 m=35
